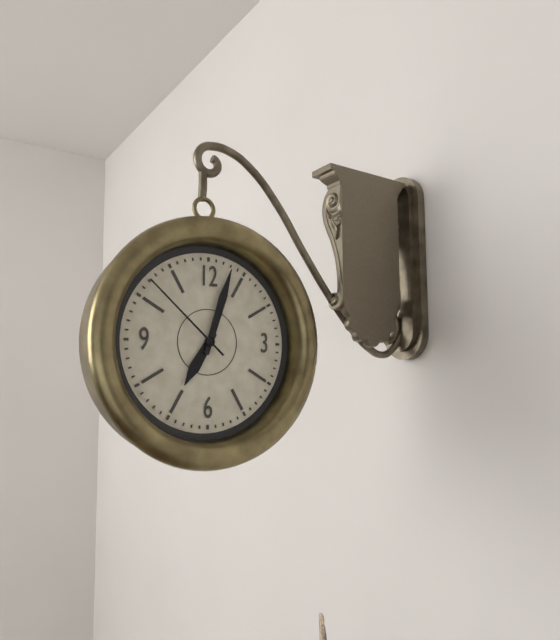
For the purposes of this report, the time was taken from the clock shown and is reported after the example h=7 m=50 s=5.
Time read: h=7 m=3 s=52
